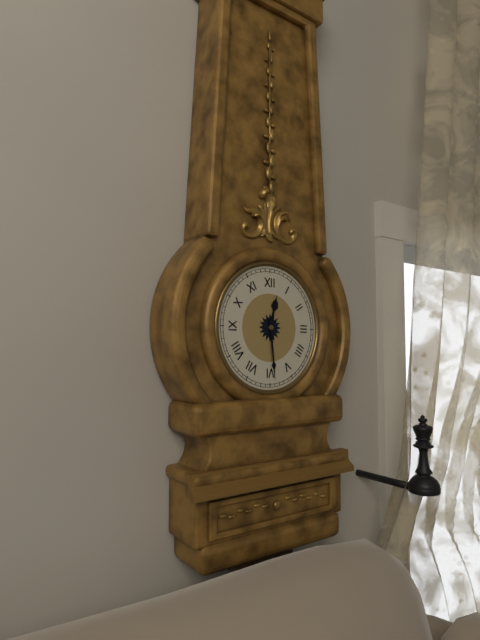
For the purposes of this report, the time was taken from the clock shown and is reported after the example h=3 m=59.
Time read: h=12 m=29
